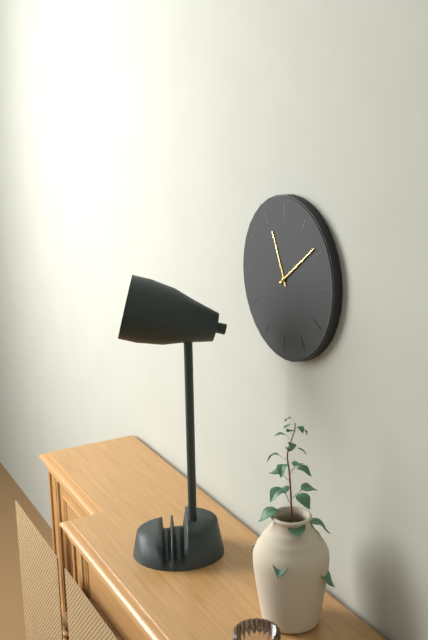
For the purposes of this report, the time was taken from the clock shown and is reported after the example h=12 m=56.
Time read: h=11 m=9
